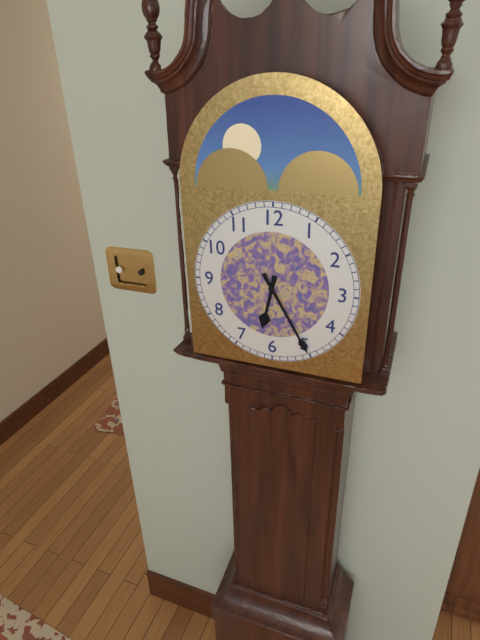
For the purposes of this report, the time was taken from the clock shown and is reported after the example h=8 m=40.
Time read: h=6 m=25
